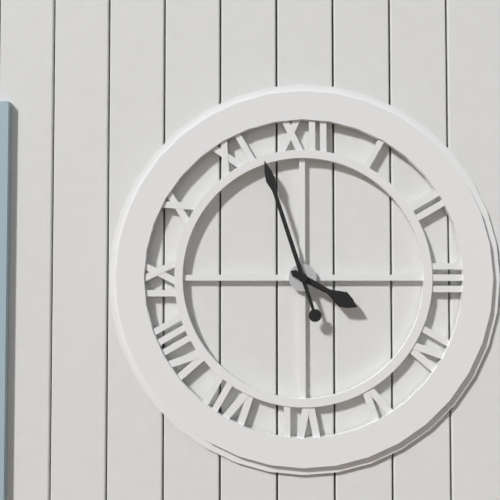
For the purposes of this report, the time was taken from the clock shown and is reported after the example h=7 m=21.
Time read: h=3 m=57
